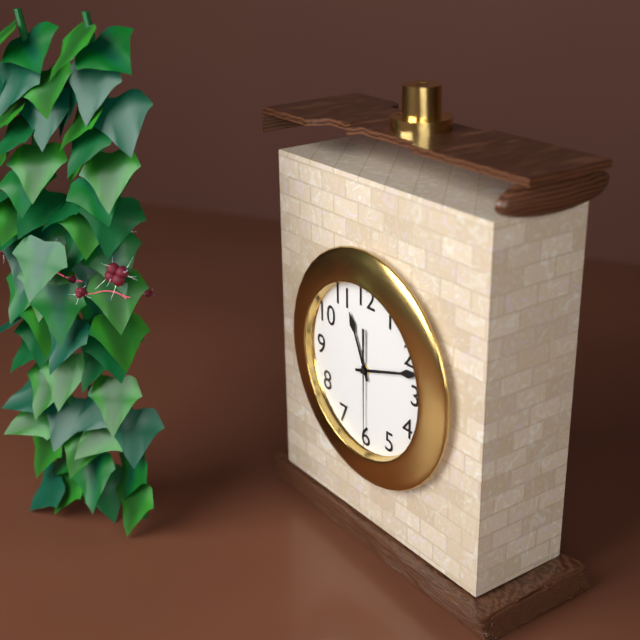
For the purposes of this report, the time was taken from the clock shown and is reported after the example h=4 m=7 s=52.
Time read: h=11 m=12 s=30
